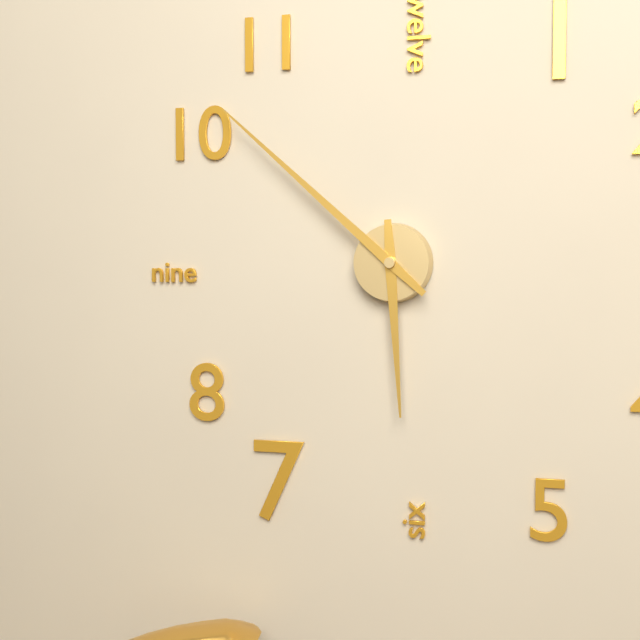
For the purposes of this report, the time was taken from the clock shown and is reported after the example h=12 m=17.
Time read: h=5 m=52
